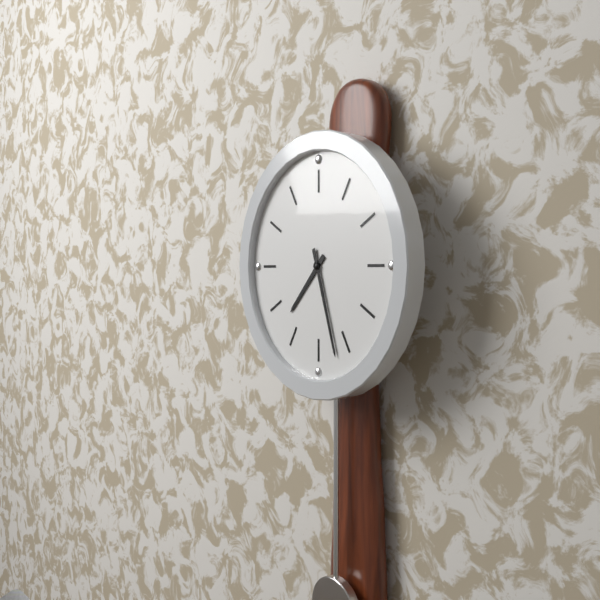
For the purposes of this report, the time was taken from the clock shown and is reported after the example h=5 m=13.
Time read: h=7 m=27
